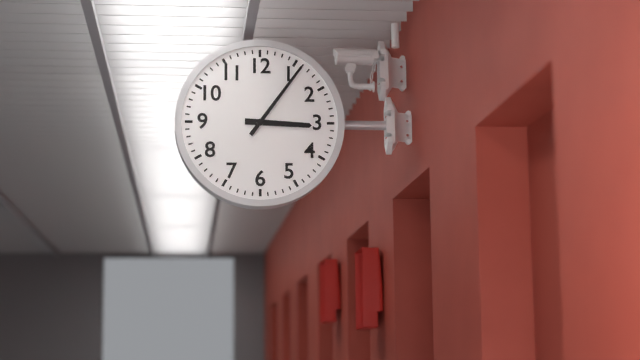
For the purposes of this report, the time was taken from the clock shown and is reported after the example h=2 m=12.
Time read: h=3 m=6
